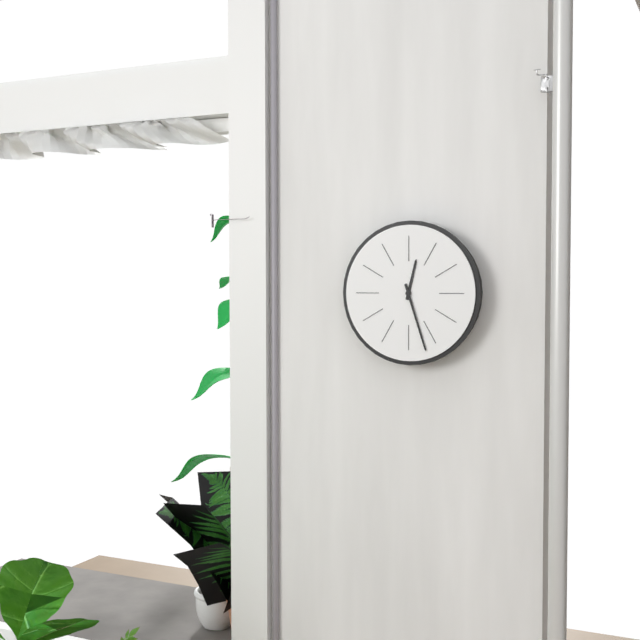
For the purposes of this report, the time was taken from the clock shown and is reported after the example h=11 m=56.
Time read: h=12 m=27
